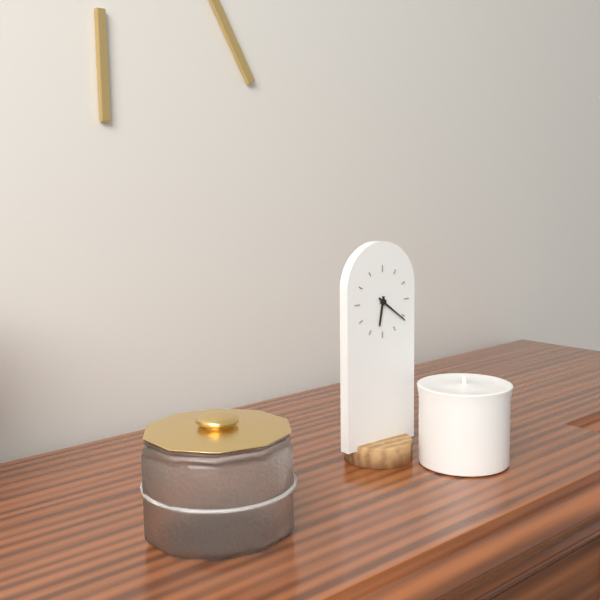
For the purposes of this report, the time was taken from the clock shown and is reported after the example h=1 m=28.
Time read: h=6 m=21
